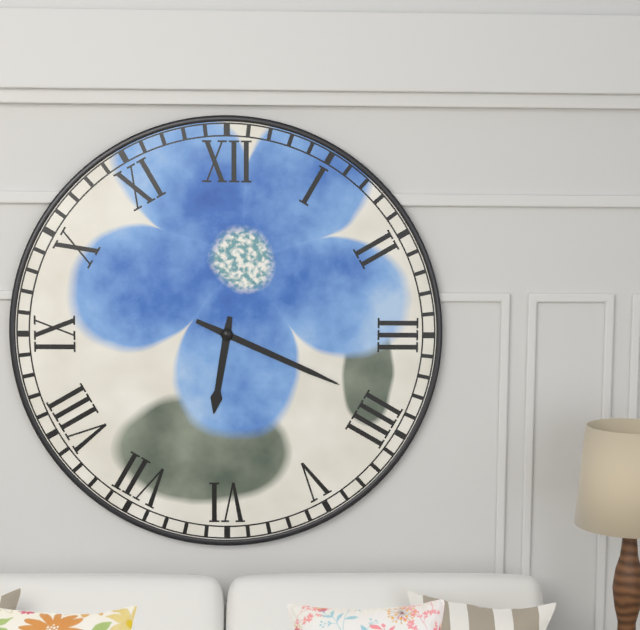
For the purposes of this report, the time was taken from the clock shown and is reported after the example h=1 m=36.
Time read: h=6 m=19
